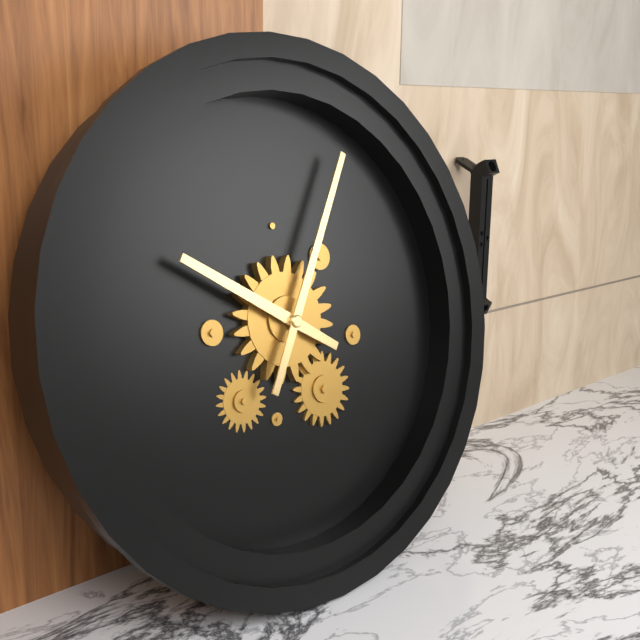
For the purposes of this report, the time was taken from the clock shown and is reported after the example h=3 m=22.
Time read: h=10 m=5
